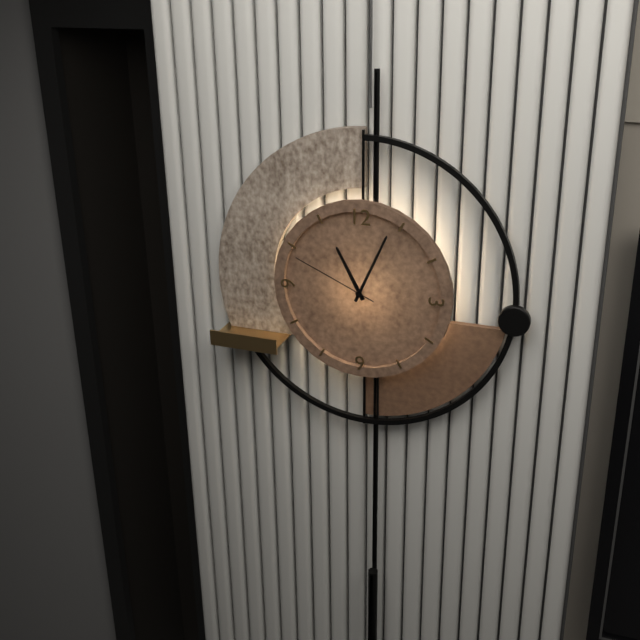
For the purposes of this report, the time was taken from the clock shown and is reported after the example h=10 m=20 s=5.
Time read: h=11 m=4 s=49
